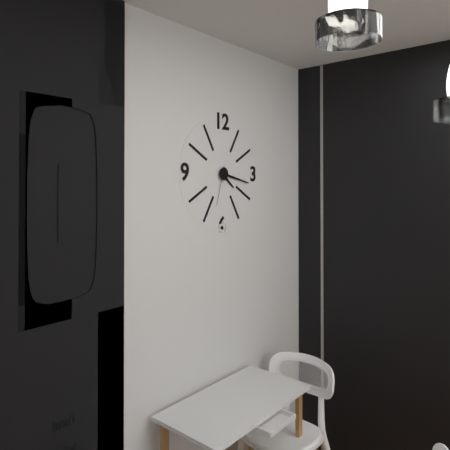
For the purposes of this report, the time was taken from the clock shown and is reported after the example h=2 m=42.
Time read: h=4 m=17
